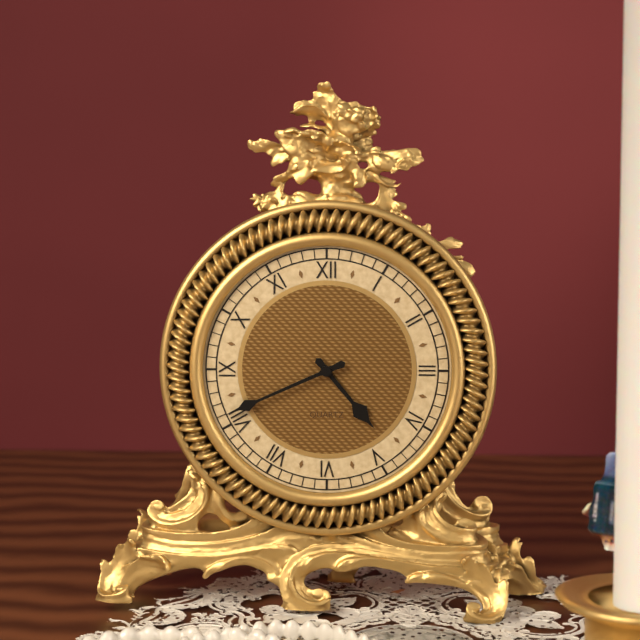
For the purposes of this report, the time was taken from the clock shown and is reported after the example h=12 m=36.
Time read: h=4 m=41
